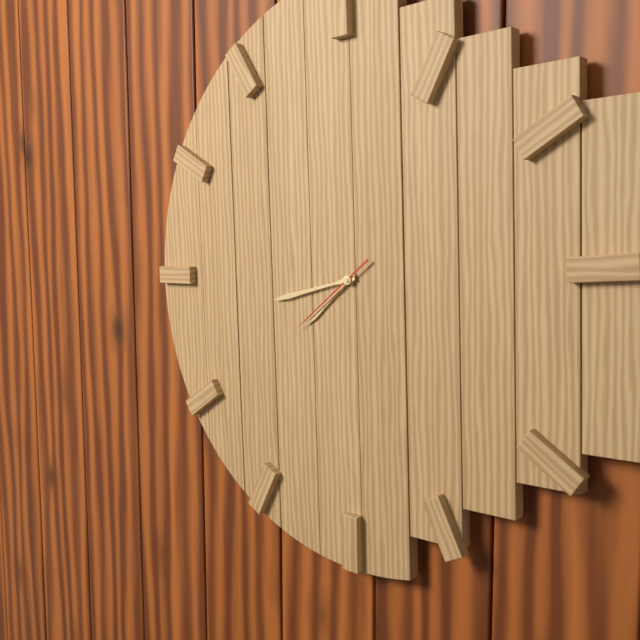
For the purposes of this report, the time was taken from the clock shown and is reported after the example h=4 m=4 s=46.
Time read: h=7 m=43 s=39
